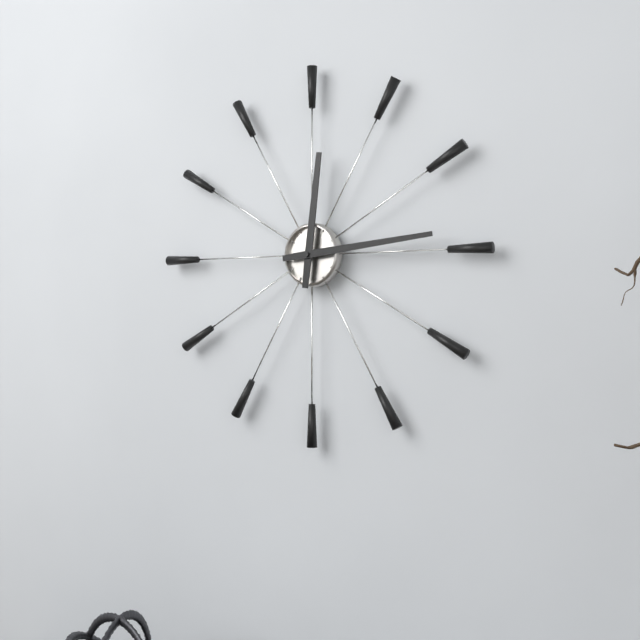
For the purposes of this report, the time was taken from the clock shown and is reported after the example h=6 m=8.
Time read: h=12 m=14
